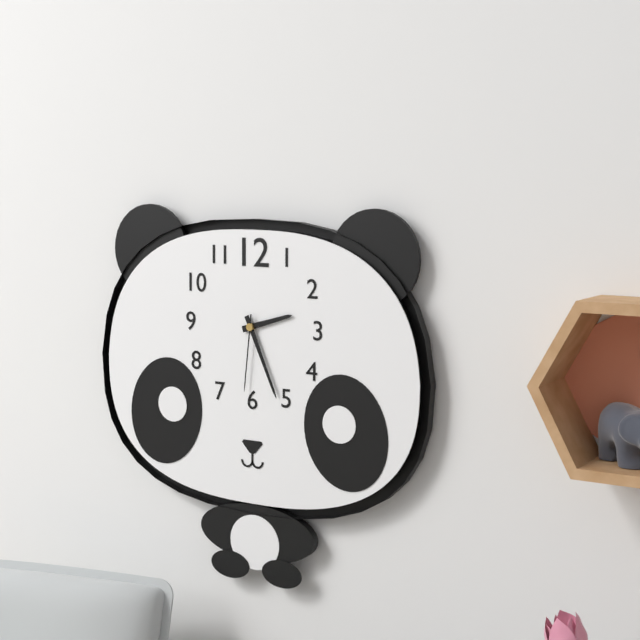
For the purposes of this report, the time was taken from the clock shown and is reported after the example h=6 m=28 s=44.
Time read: h=2 m=26 s=31
